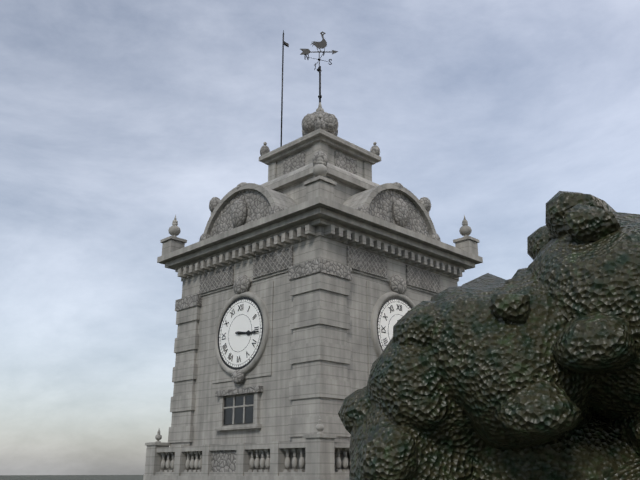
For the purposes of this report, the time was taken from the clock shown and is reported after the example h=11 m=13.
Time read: h=3 m=16
